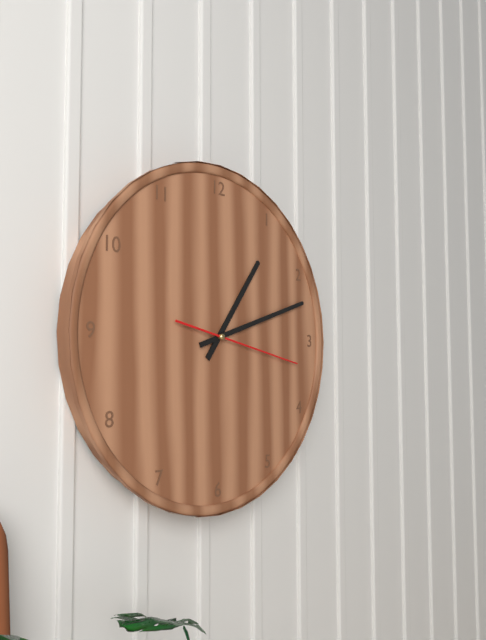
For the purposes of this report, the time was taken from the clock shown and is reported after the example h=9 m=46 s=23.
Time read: h=1 m=12 s=17
